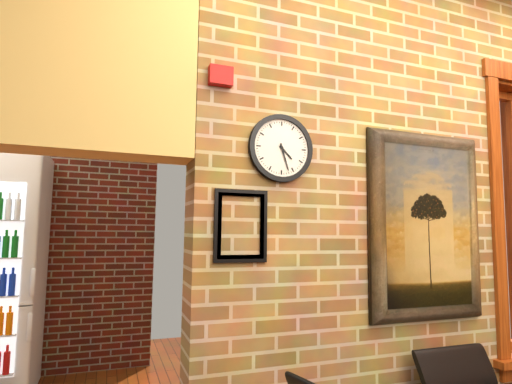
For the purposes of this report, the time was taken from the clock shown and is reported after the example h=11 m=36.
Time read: h=4 m=27
